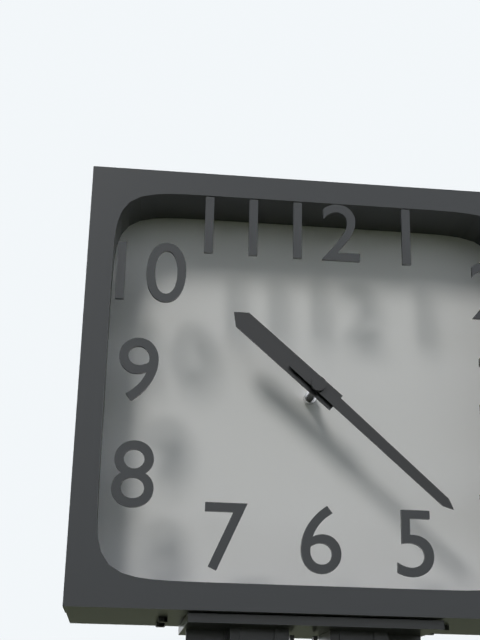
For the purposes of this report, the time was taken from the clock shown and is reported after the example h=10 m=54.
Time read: h=10 m=22
